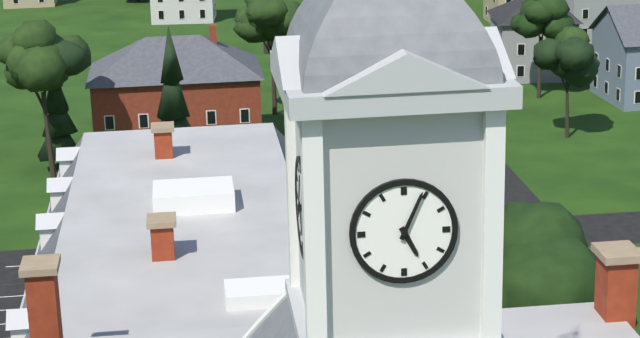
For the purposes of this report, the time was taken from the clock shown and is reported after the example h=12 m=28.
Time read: h=5 m=4
